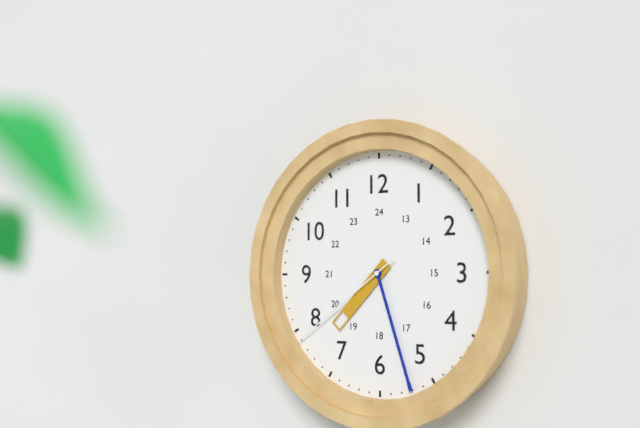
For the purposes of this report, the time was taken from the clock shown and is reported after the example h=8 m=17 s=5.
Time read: h=7 m=27 s=39
